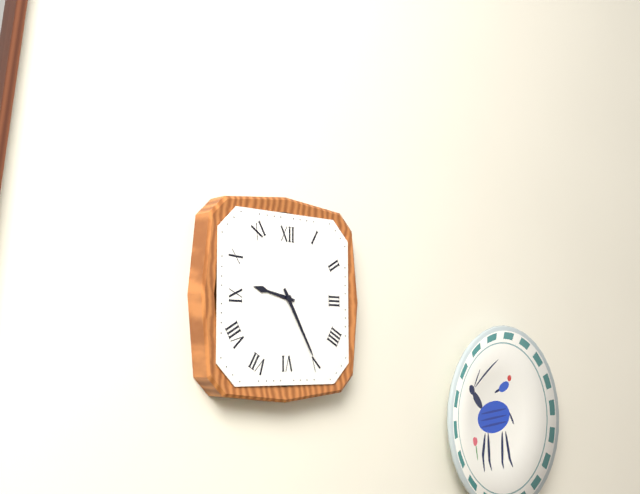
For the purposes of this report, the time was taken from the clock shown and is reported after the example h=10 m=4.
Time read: h=9 m=25
